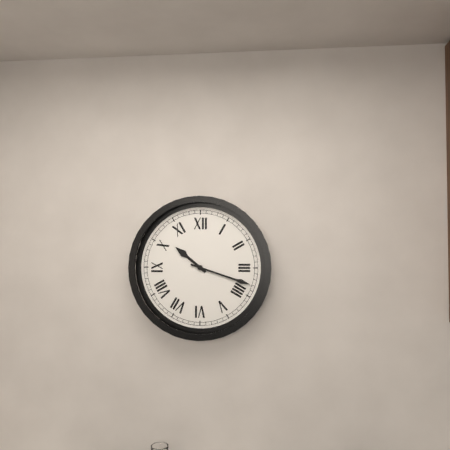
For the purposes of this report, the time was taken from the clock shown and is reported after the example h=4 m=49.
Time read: h=10 m=18
